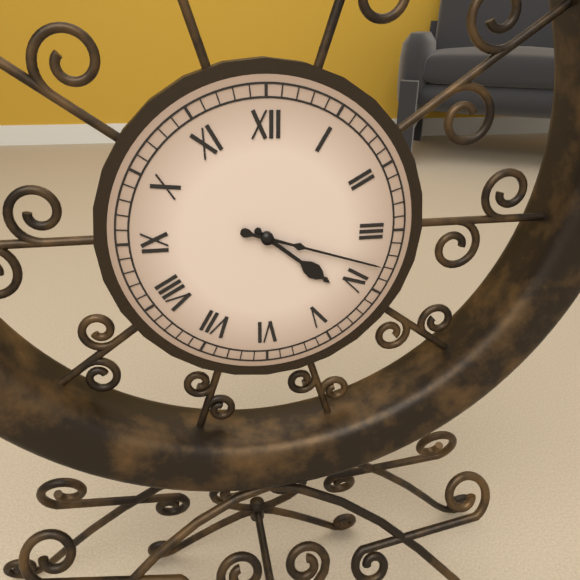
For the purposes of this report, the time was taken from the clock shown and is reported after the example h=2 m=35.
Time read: h=4 m=18
